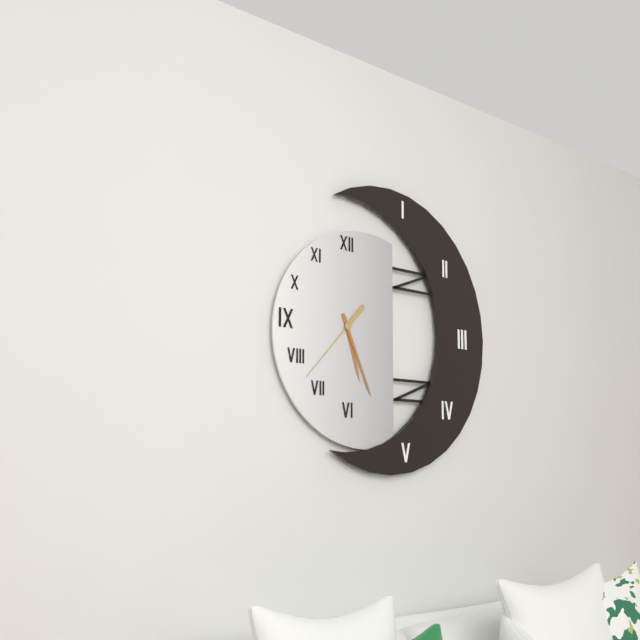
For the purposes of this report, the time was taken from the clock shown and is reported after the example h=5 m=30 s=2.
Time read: h=5 m=26 s=37
